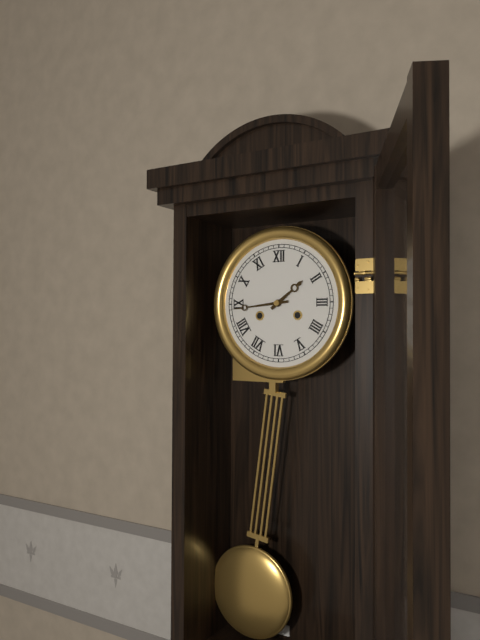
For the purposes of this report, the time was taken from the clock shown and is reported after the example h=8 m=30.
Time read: h=1 m=44
